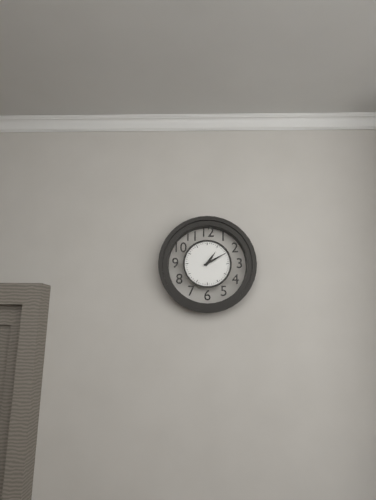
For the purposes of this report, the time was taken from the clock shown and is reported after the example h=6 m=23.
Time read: h=1 m=10
